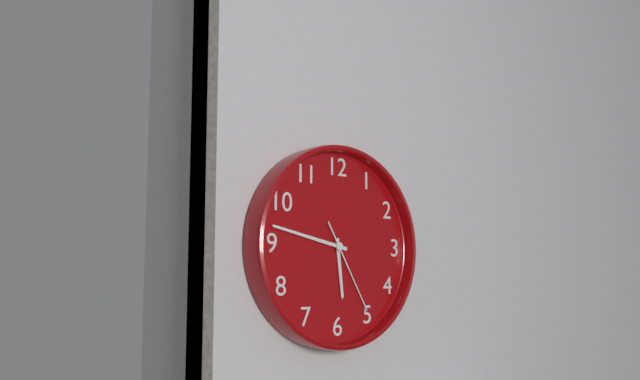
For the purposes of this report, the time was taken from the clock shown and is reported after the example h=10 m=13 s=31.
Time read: h=5 m=47 s=25
